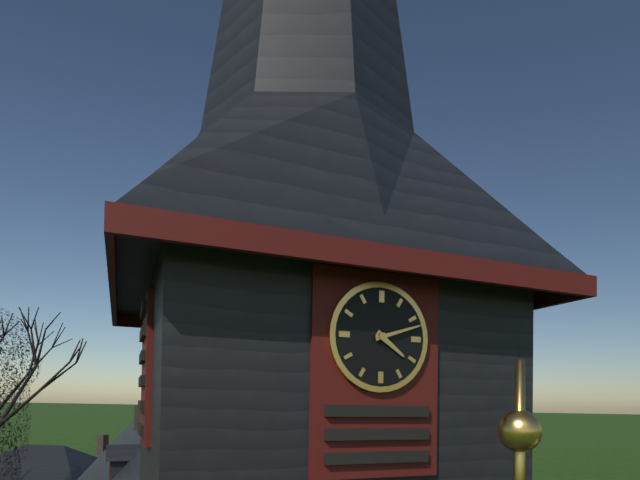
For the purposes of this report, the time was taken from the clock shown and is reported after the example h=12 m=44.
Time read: h=4 m=12
